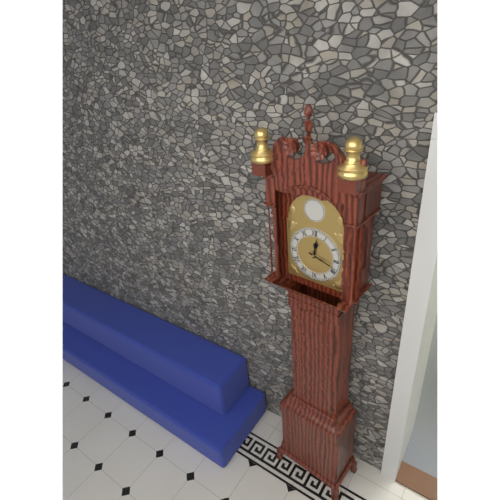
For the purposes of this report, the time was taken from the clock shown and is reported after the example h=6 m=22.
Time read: h=12 m=18
